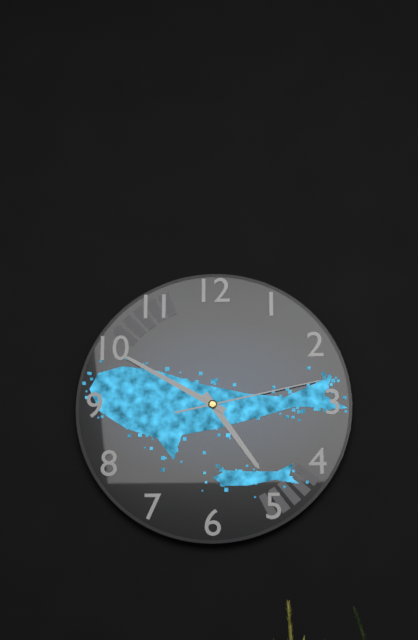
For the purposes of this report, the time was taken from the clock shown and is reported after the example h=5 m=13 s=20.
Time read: h=4 m=50 s=13
